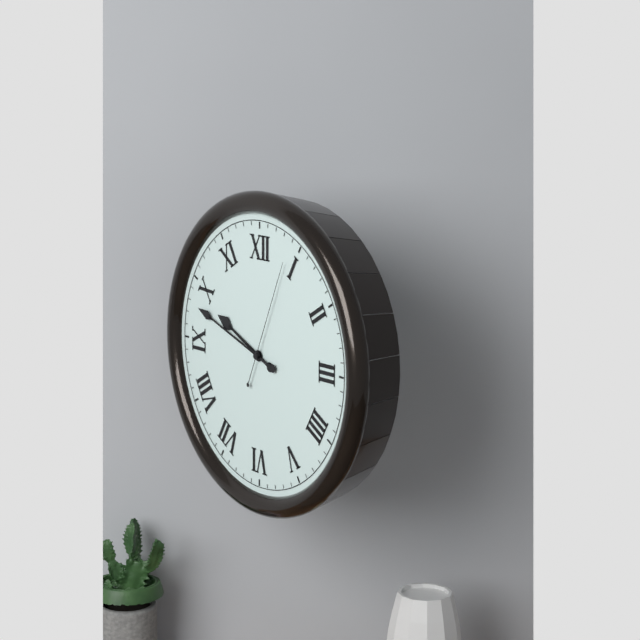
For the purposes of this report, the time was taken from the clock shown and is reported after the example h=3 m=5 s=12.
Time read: h=9 m=48 s=4
